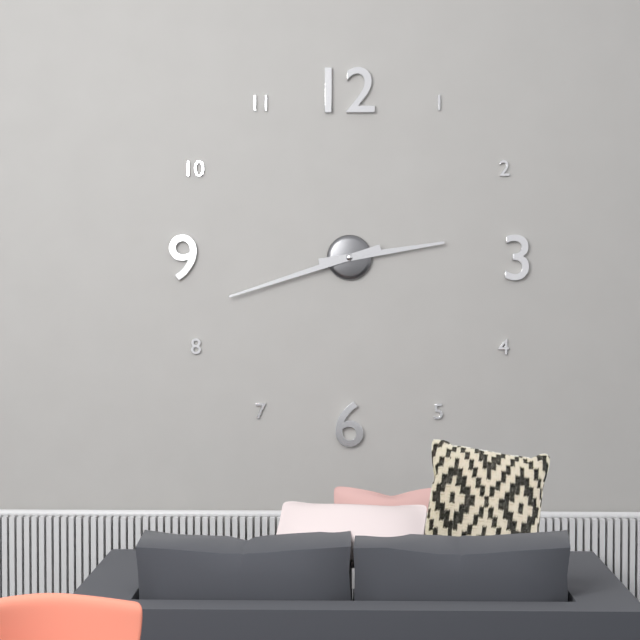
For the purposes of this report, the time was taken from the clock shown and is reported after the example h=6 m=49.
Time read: h=2 m=42
